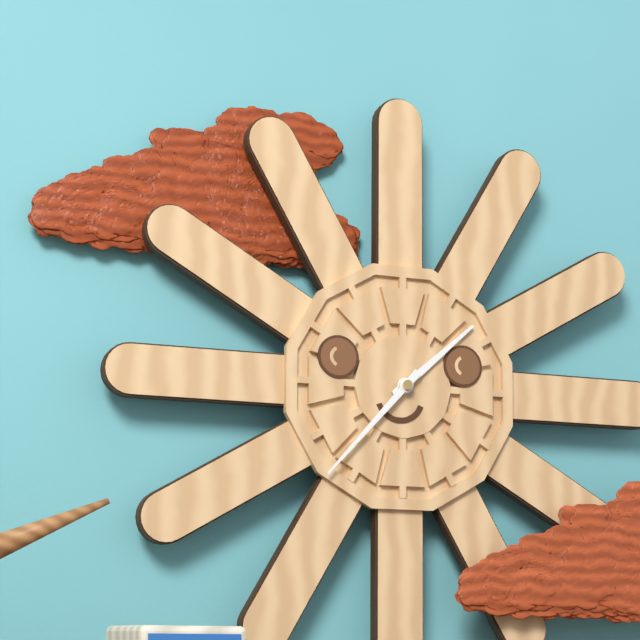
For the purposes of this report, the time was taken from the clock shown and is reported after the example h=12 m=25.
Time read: h=1 m=37
